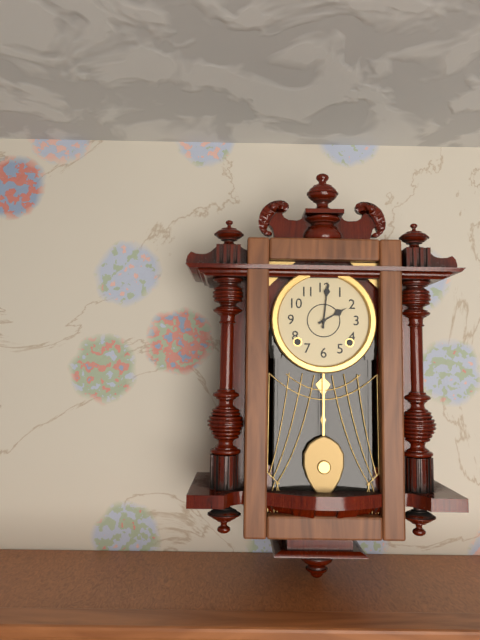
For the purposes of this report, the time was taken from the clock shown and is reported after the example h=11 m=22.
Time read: h=2 m=1
